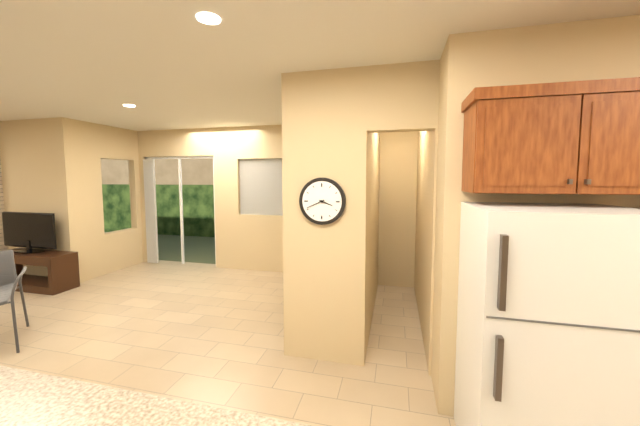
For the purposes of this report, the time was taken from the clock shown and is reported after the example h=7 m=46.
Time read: h=3 m=41
